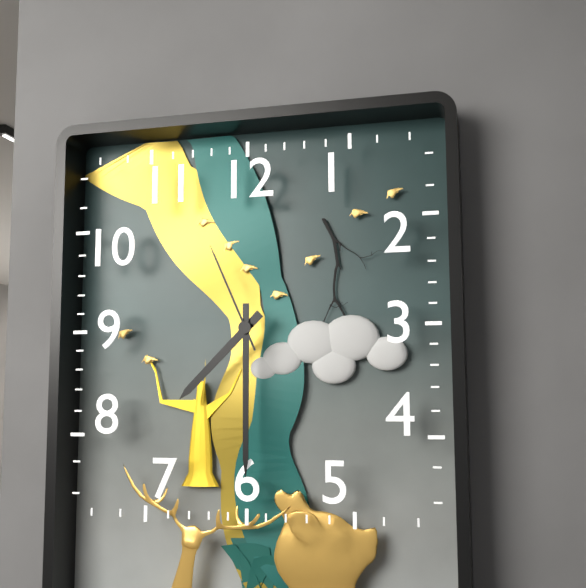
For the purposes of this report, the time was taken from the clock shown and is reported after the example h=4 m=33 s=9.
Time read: h=7 m=30 s=56
